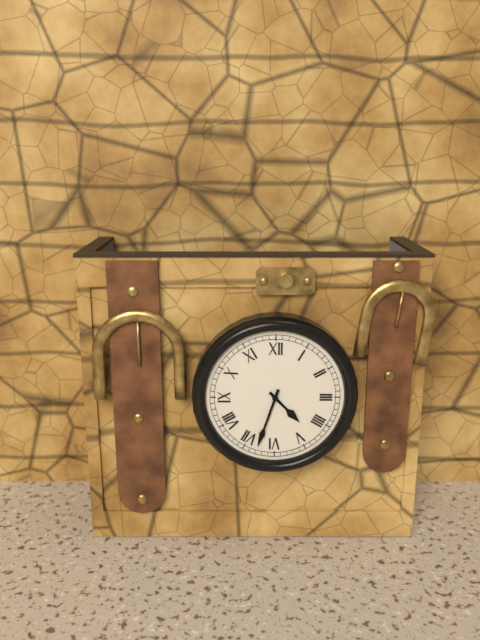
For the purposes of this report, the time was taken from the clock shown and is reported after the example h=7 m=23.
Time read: h=4 m=33
